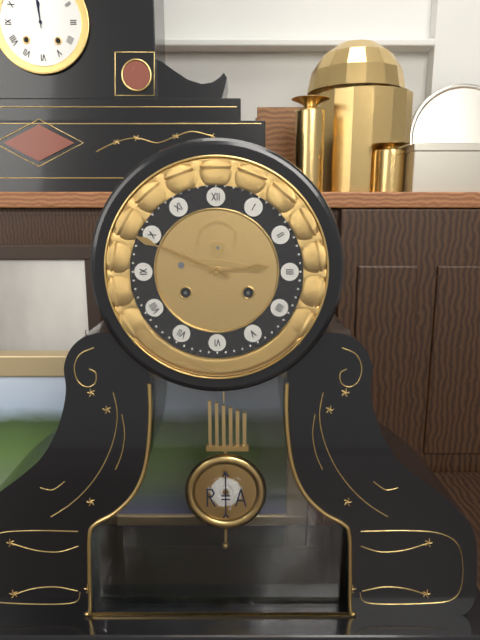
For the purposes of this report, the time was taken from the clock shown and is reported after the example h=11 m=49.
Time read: h=2 m=49
